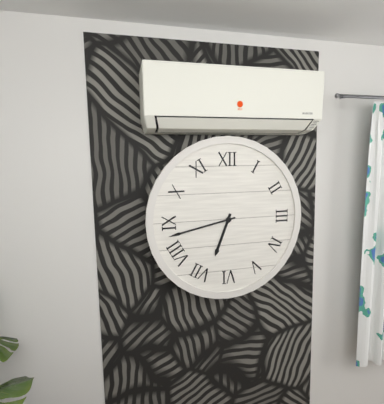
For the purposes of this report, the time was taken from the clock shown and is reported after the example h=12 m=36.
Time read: h=6 m=43
